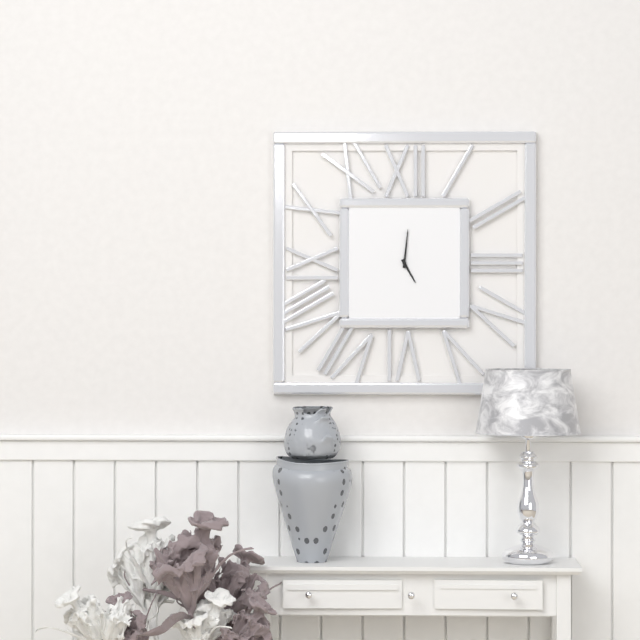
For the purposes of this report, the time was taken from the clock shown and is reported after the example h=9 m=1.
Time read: h=5 m=1
